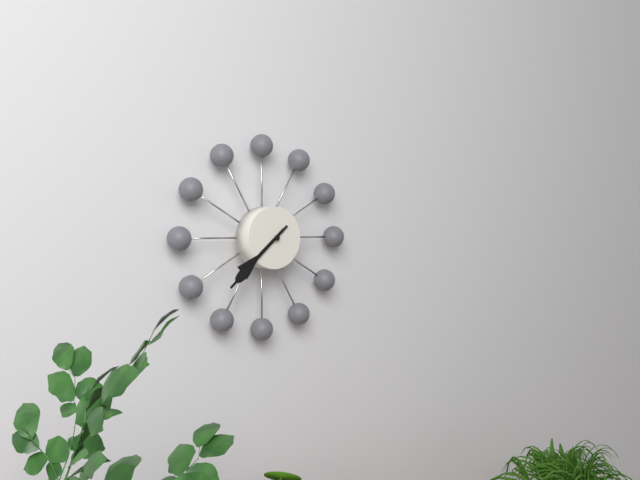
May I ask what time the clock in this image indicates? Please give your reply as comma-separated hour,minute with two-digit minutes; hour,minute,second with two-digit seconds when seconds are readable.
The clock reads 7,38
